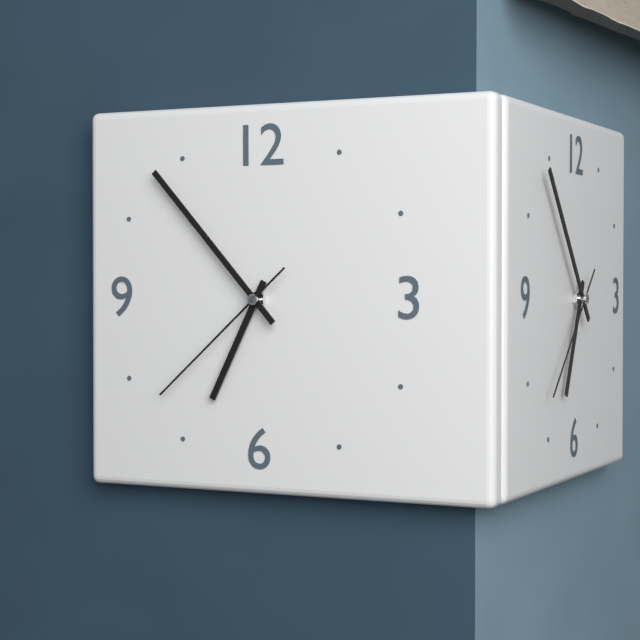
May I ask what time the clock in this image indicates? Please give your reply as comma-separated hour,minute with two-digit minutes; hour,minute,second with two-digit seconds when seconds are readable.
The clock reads 6,53,38
